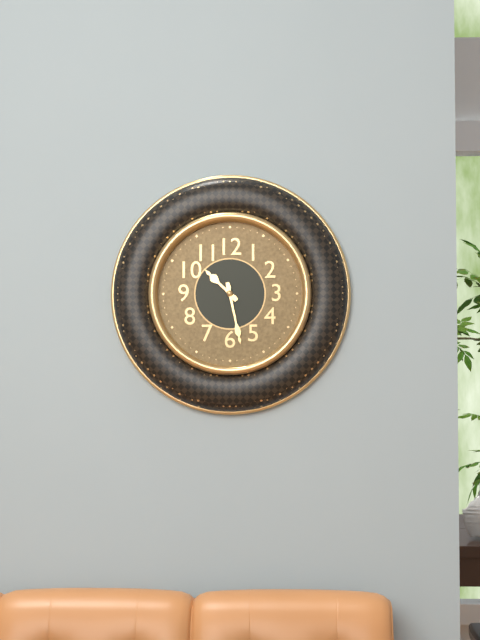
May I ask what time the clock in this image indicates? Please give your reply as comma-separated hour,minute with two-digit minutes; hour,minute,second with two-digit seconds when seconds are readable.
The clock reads 10,28
